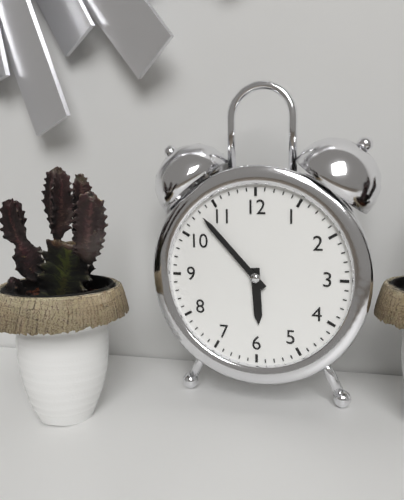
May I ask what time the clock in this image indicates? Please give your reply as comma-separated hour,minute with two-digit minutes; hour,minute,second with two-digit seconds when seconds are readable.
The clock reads 5,53
